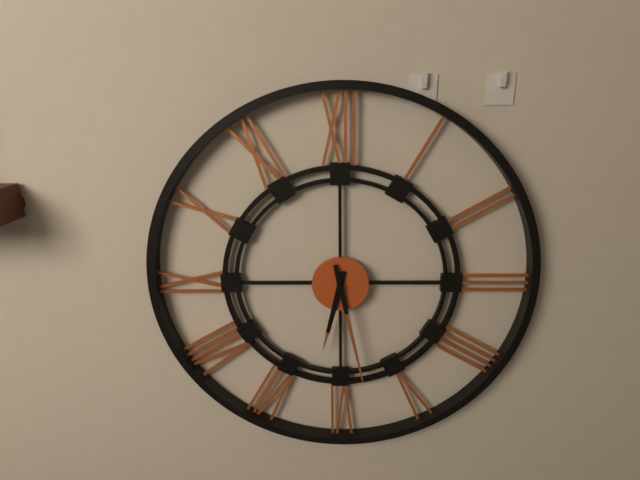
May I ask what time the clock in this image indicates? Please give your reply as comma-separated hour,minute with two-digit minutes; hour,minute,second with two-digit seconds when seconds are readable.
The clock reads 6,28
